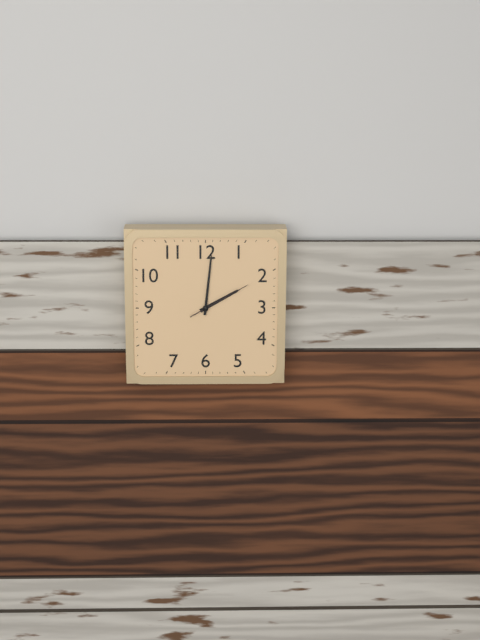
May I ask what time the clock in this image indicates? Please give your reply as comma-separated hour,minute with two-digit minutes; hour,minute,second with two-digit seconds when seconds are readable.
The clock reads 2,01,10
